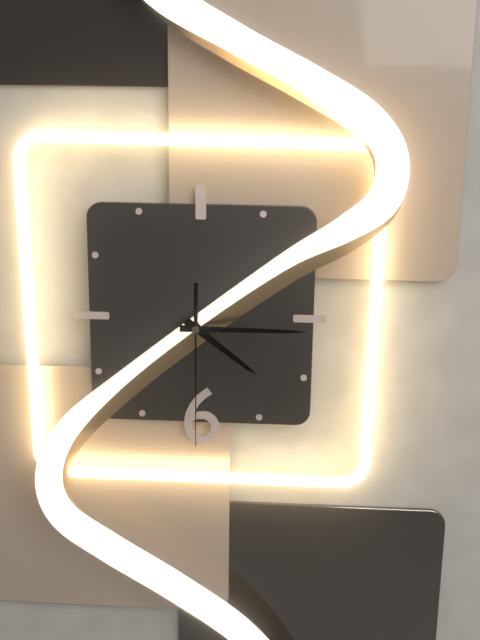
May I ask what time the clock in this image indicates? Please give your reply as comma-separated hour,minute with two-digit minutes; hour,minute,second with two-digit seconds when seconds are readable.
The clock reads 4,15,30
